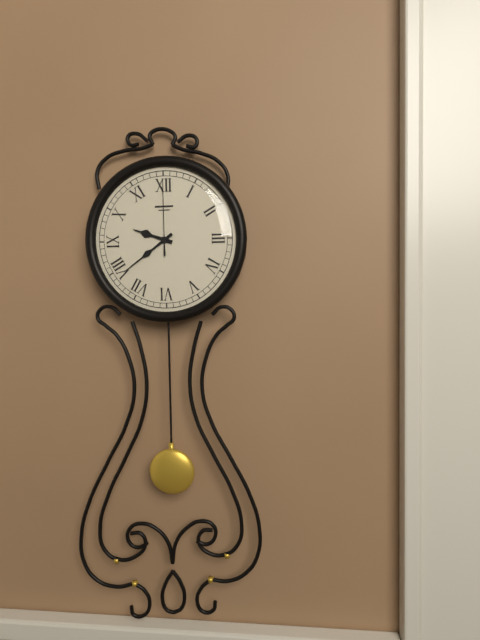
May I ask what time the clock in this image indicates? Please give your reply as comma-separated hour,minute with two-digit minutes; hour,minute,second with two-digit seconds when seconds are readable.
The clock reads 9,39,00
